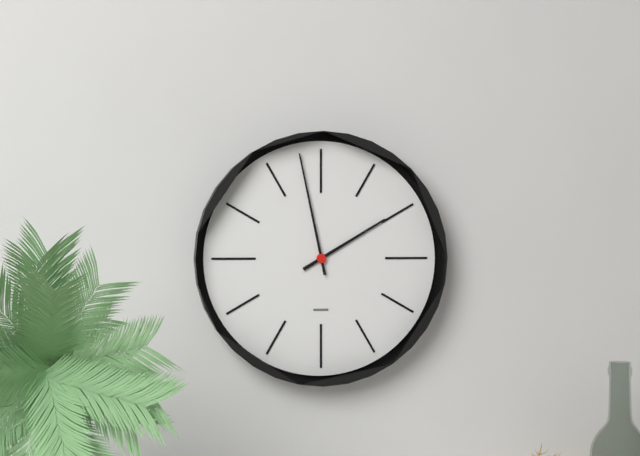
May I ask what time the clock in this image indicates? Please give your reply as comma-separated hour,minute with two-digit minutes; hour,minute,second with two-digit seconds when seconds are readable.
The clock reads 1,58
